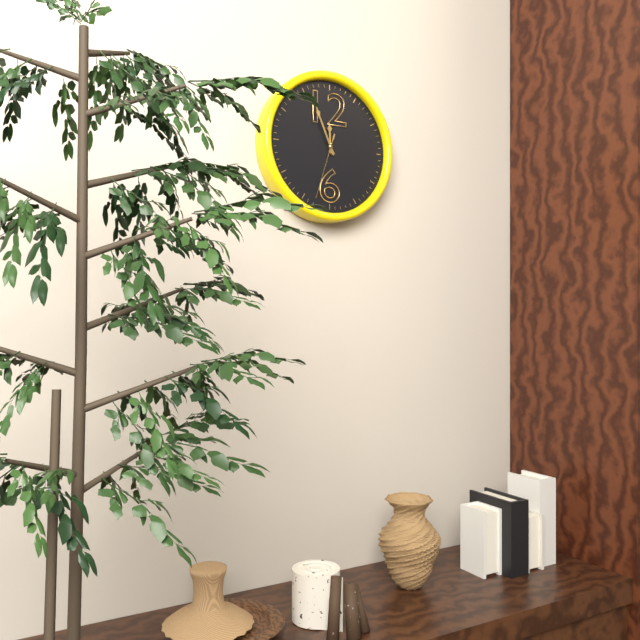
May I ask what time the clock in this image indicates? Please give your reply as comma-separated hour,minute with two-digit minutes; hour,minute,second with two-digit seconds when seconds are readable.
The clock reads 11,56,33
